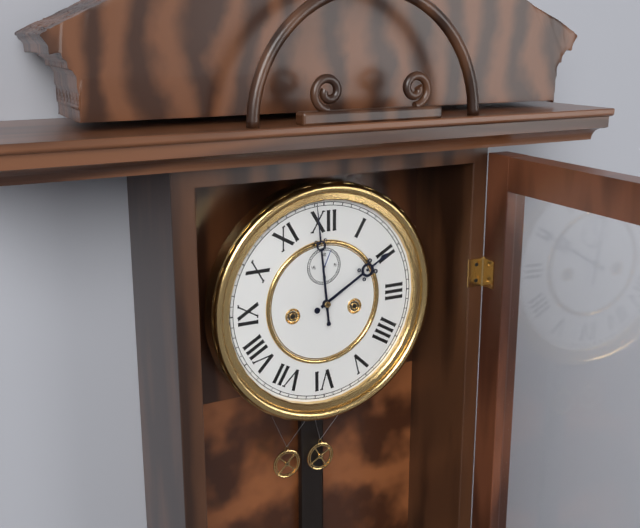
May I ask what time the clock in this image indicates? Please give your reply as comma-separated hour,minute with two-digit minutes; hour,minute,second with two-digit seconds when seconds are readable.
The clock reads 1,59
